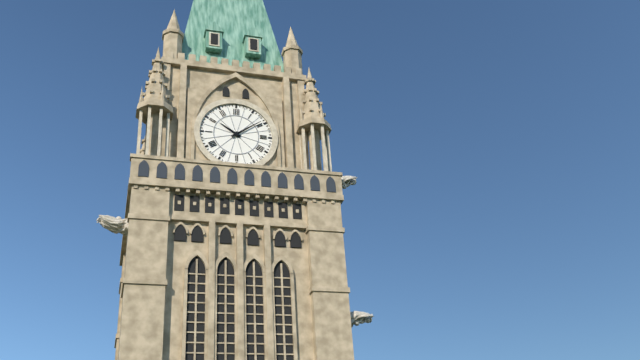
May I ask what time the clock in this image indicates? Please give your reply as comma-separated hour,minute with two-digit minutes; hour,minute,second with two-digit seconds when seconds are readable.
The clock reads 10,09
